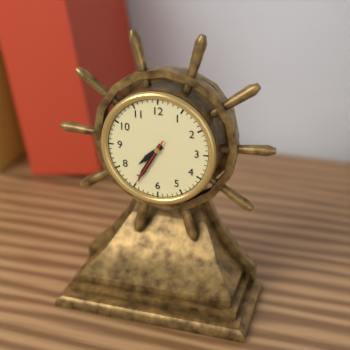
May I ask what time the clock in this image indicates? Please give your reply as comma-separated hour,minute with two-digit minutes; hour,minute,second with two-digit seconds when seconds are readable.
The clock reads 7,35,35
